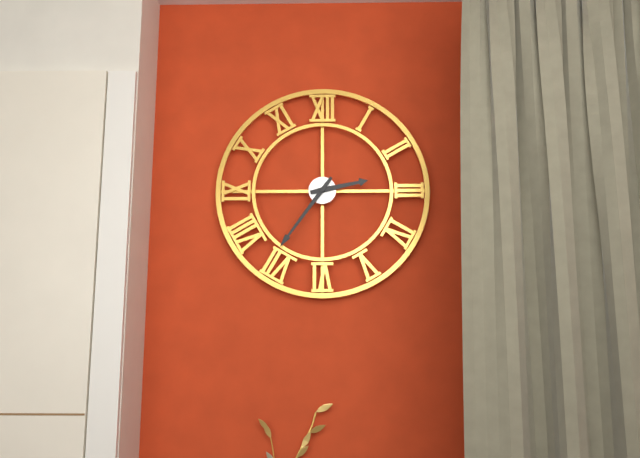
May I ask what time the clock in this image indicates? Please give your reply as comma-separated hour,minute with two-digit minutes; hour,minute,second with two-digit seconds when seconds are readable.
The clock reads 2,36
